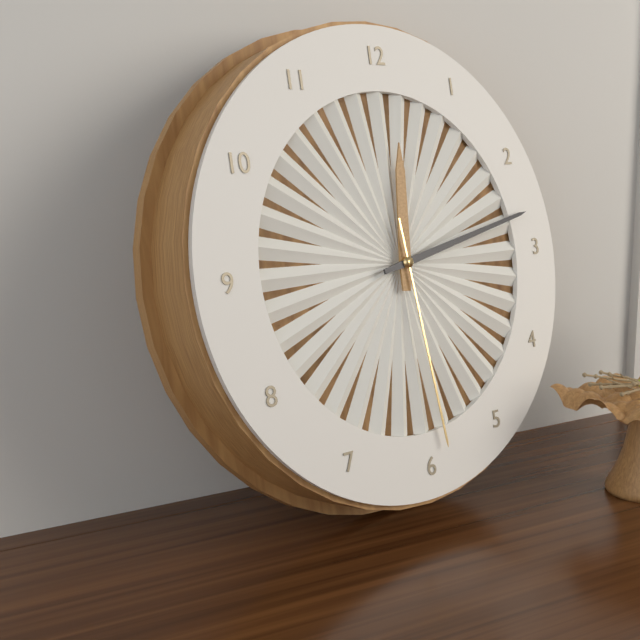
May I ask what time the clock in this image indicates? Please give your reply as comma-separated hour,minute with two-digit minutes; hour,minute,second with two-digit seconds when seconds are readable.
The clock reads 12,13,29
